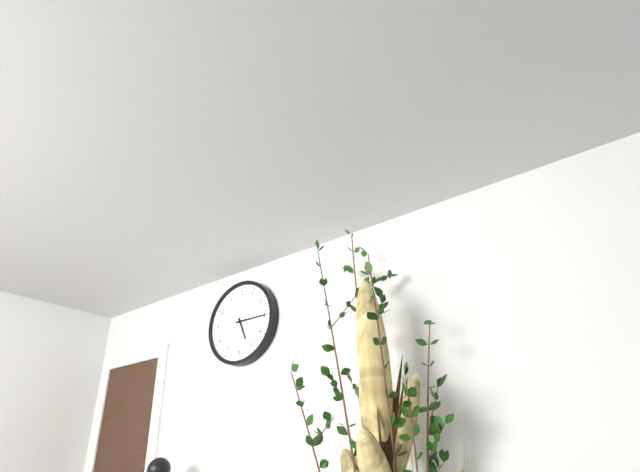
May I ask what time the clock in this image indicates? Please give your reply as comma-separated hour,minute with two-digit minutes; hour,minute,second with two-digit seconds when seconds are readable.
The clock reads 5,15
